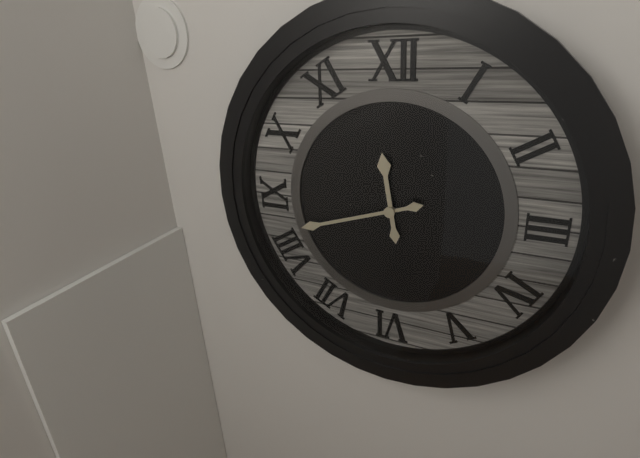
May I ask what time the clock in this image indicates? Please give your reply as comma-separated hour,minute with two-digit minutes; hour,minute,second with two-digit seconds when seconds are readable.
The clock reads 11,42
